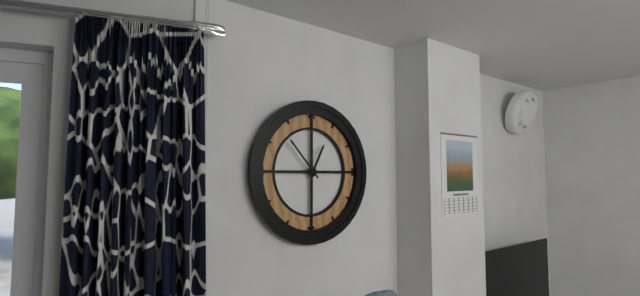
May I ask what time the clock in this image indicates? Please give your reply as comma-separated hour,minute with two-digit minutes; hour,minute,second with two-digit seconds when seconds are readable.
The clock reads 12,53
